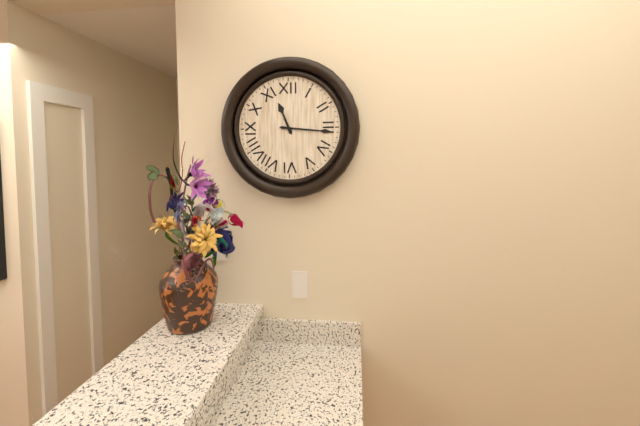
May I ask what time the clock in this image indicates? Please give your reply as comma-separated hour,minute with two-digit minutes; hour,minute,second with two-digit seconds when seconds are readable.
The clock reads 11,16
